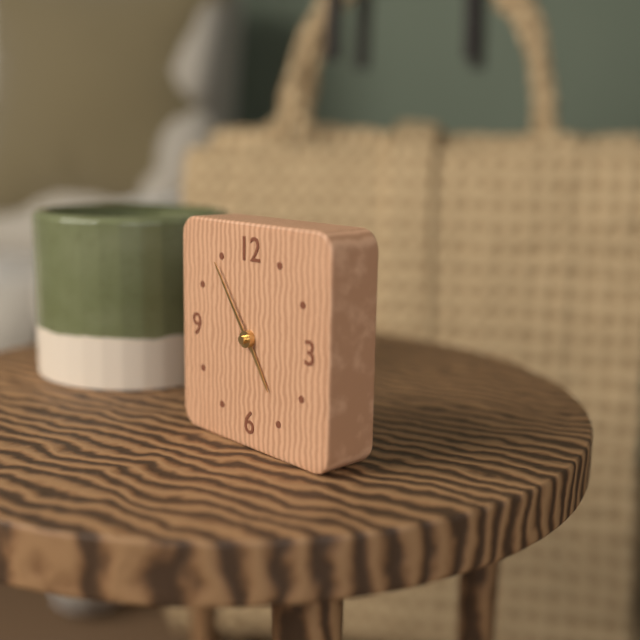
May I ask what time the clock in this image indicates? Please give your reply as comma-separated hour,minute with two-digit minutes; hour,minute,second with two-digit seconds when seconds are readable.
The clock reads 4,54
